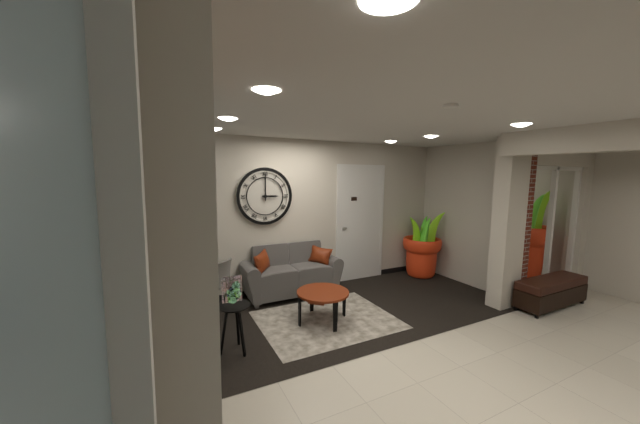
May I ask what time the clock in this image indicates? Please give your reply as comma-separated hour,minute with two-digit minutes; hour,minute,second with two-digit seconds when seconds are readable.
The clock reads 3,00
